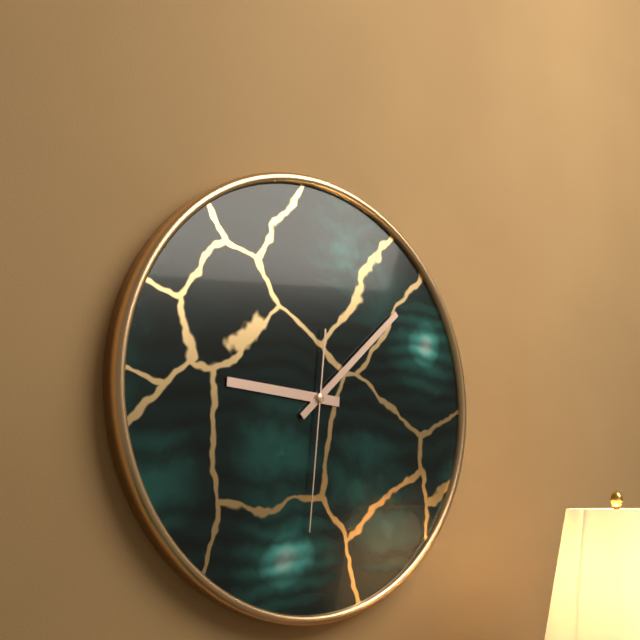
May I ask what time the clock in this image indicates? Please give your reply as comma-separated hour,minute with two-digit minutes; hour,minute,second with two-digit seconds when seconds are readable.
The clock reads 9,08,31
